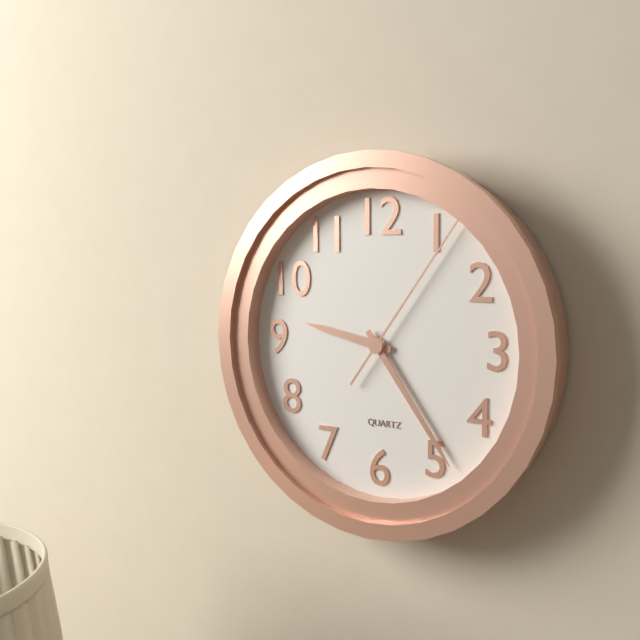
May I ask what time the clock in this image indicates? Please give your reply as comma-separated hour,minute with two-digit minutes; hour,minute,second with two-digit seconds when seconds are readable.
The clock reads 9,24,06
